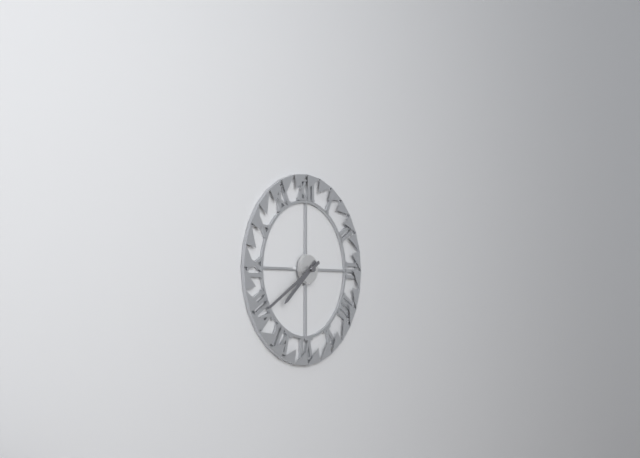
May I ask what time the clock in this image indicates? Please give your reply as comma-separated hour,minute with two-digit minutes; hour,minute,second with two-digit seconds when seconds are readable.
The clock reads 7,40
